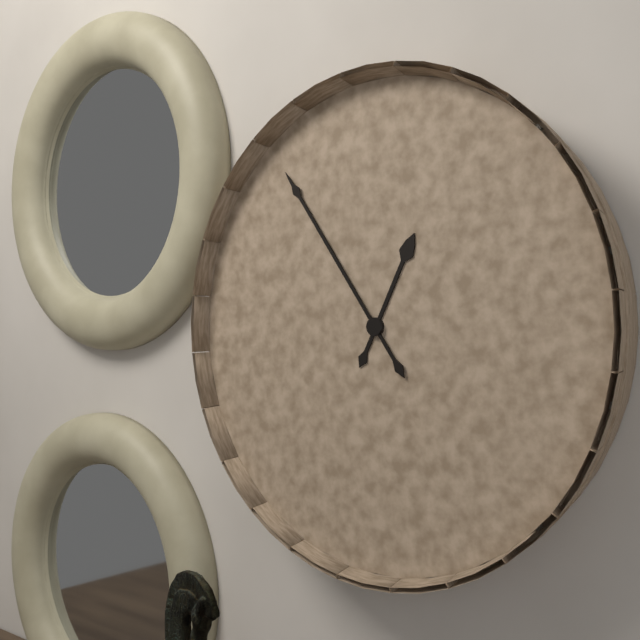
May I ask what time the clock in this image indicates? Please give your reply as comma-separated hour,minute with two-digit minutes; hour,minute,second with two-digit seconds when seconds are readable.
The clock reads 12,54
